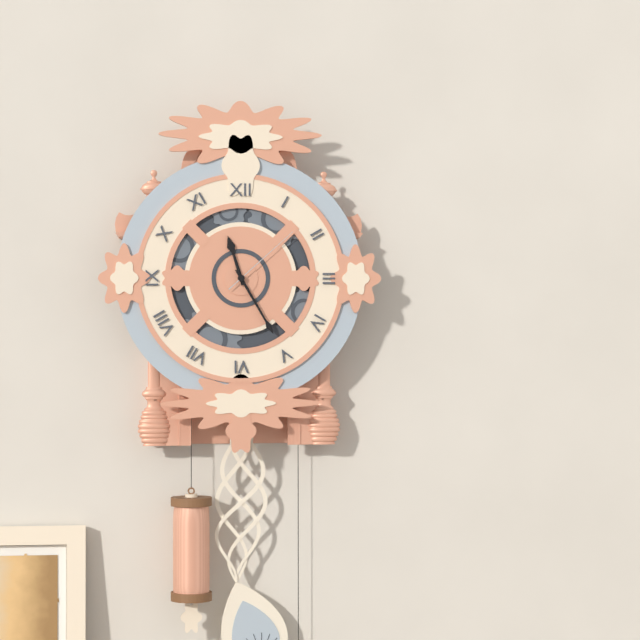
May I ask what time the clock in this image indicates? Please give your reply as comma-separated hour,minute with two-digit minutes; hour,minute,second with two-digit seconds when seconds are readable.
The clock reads 11,25,08
